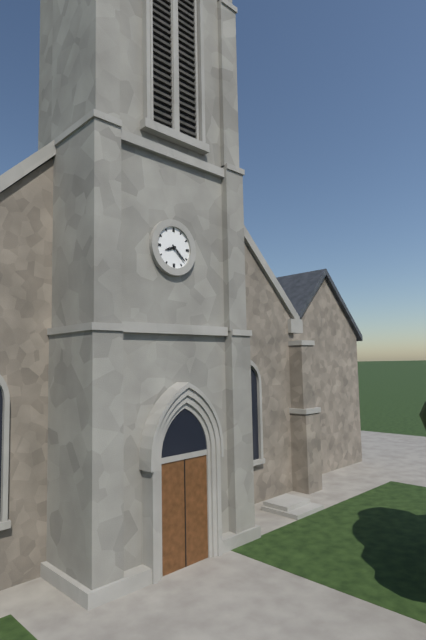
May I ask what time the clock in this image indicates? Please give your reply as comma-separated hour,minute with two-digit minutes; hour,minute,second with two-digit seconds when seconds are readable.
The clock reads 8,22
